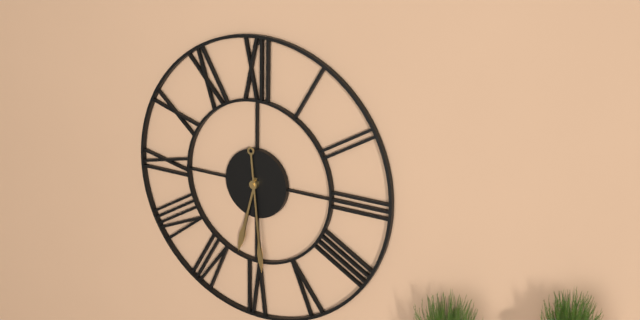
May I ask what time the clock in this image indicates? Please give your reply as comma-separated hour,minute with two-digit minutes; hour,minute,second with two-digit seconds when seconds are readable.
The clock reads 6,29
